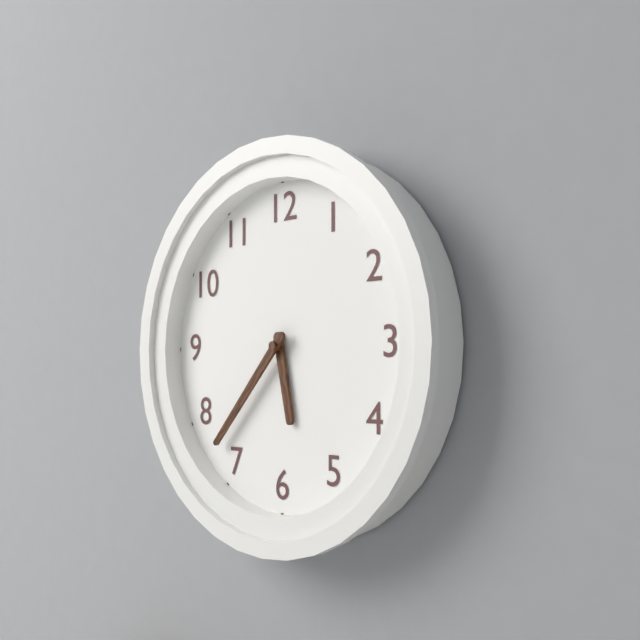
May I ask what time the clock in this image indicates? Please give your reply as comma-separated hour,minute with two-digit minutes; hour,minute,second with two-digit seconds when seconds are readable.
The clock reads 5,37
